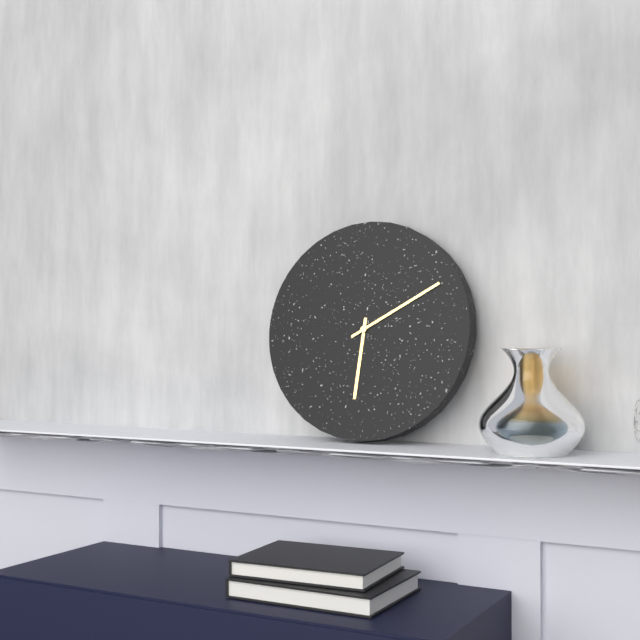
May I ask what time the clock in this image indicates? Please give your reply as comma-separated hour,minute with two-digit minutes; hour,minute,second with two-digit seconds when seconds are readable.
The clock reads 6,10
